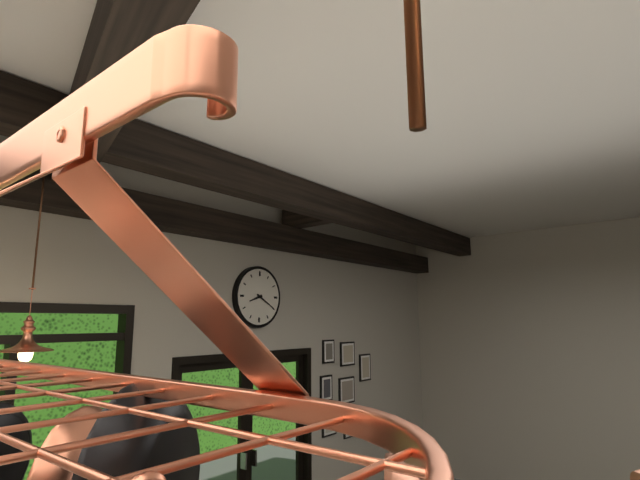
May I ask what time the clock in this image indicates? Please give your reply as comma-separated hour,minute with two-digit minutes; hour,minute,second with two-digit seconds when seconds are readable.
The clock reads 8,20
